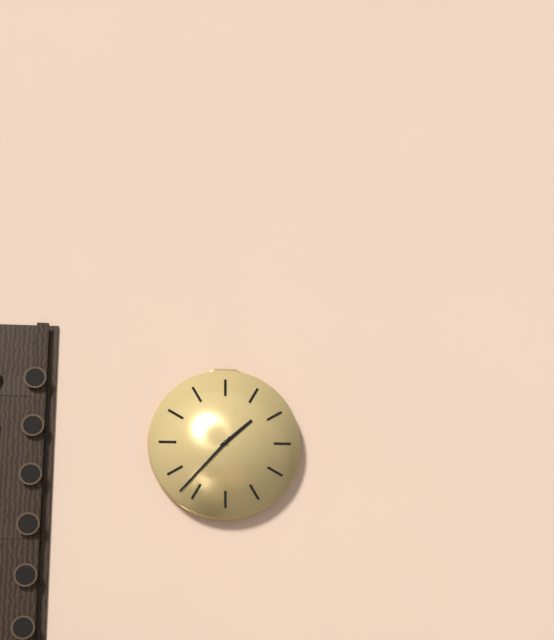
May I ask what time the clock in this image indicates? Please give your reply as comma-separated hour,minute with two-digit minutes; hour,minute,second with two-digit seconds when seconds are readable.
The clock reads 1,37
